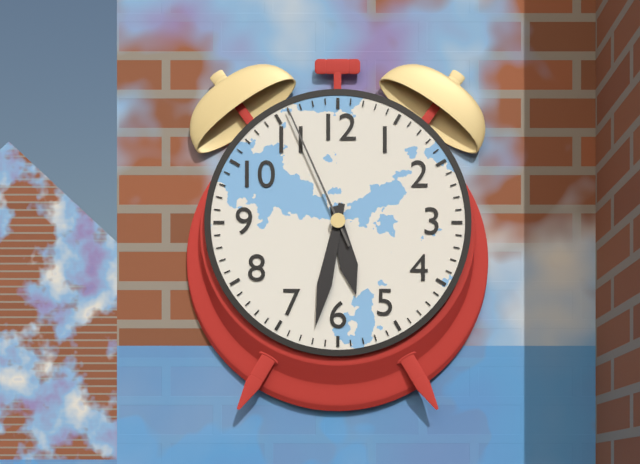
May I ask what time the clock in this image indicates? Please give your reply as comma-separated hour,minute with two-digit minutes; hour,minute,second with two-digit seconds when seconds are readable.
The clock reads 5,32,56
